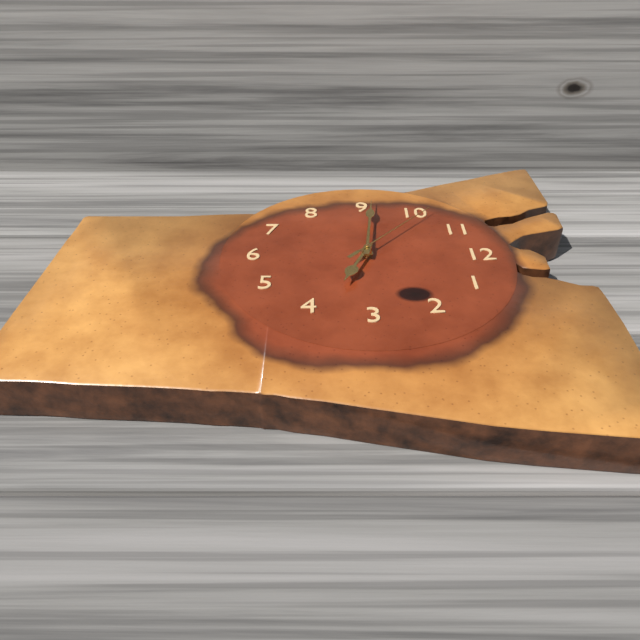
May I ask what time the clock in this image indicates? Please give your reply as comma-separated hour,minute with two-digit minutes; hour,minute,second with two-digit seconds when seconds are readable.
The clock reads 3,46,52
